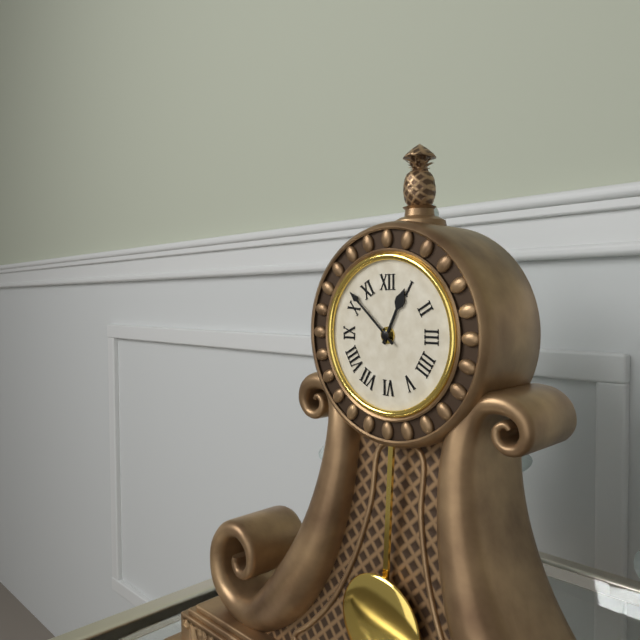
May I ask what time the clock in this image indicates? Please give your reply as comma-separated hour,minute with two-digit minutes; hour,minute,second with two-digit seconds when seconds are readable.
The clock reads 12,52
